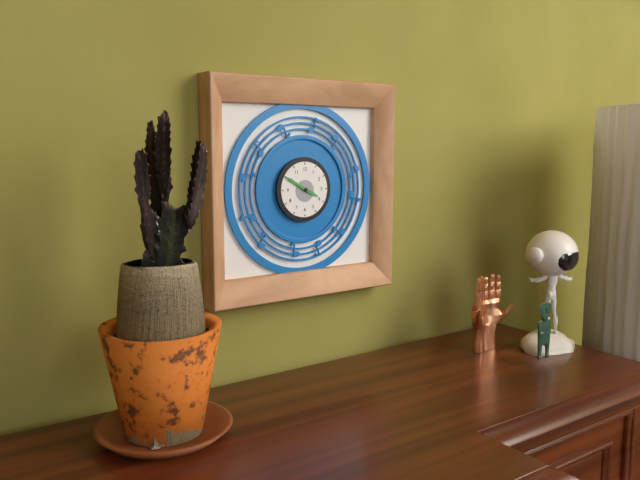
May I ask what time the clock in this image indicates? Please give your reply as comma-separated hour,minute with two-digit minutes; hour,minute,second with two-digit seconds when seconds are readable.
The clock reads 3,50
